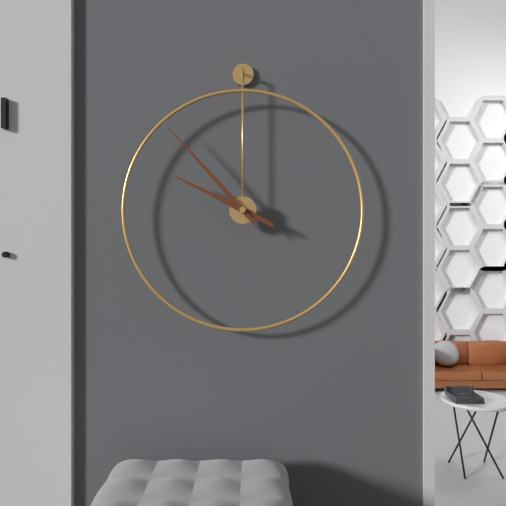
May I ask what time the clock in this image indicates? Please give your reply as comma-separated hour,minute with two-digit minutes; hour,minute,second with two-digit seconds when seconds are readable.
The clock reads 9,53
